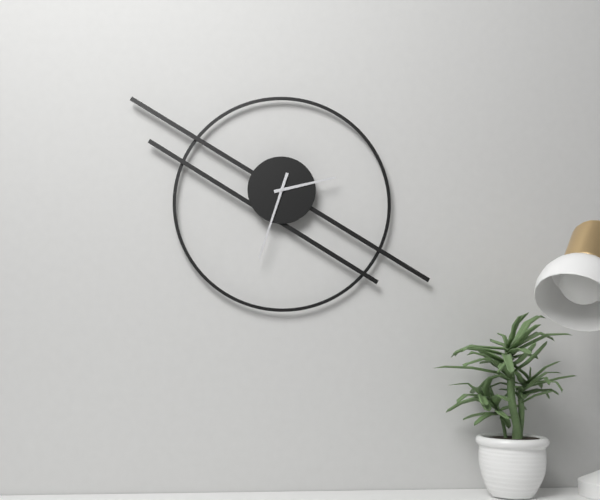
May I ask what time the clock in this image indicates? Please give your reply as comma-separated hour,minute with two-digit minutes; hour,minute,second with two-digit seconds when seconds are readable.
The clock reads 2,33
